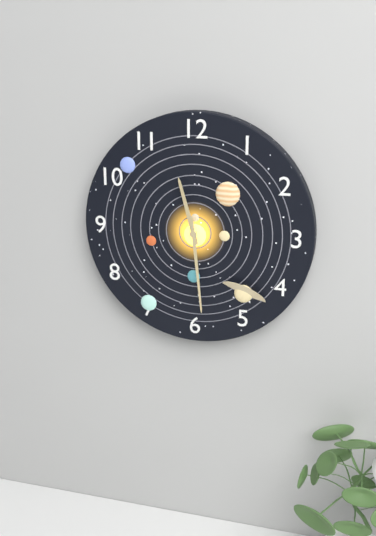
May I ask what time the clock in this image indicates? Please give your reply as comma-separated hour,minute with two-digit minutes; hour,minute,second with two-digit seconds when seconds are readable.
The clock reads 11,29
